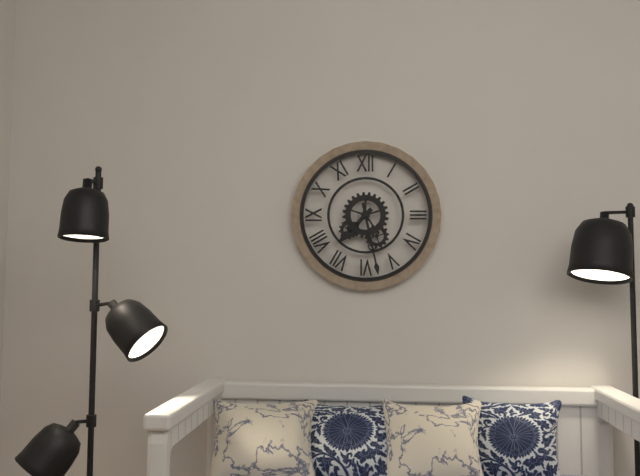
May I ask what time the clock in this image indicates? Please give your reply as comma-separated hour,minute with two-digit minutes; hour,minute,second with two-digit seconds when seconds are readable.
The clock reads 7,28
